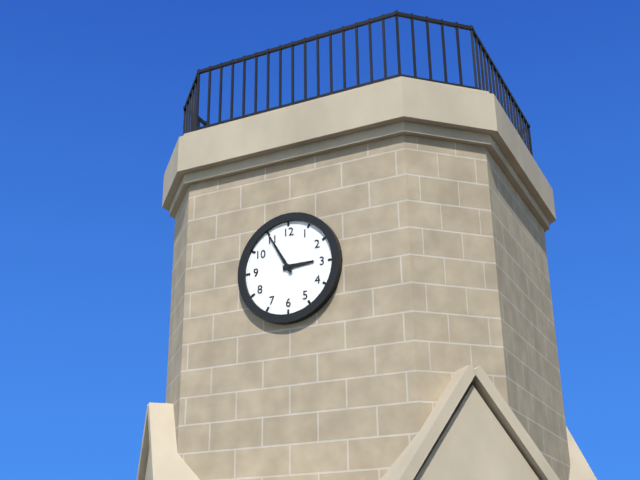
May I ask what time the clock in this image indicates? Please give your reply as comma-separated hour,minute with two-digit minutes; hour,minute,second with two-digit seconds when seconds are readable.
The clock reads 2,55
